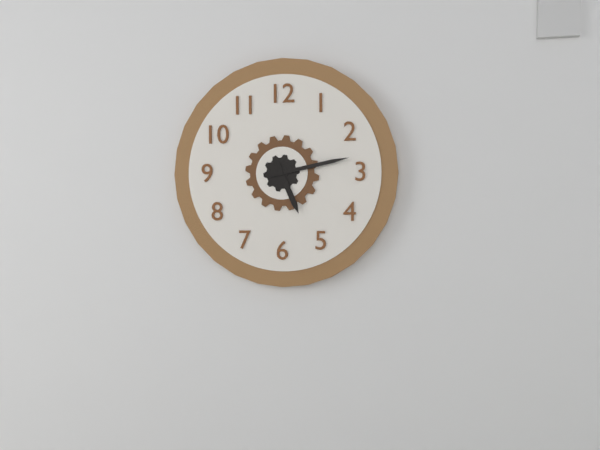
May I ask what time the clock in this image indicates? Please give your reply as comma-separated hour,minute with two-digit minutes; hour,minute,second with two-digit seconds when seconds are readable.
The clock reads 5,13
